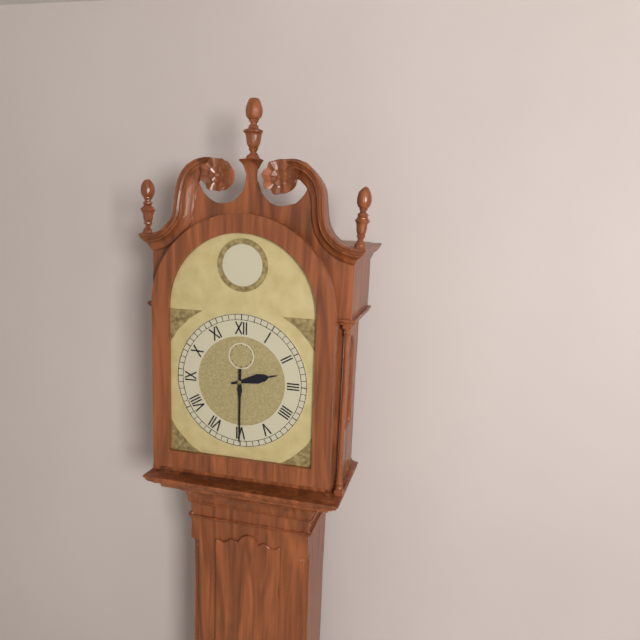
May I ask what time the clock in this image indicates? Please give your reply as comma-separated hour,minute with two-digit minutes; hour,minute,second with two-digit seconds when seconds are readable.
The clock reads 2,30
